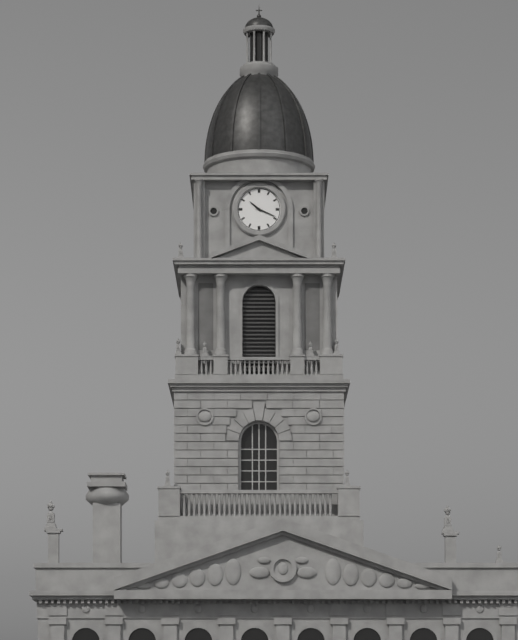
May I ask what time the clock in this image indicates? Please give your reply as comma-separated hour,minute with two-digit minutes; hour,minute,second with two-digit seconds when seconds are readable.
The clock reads 10,19
